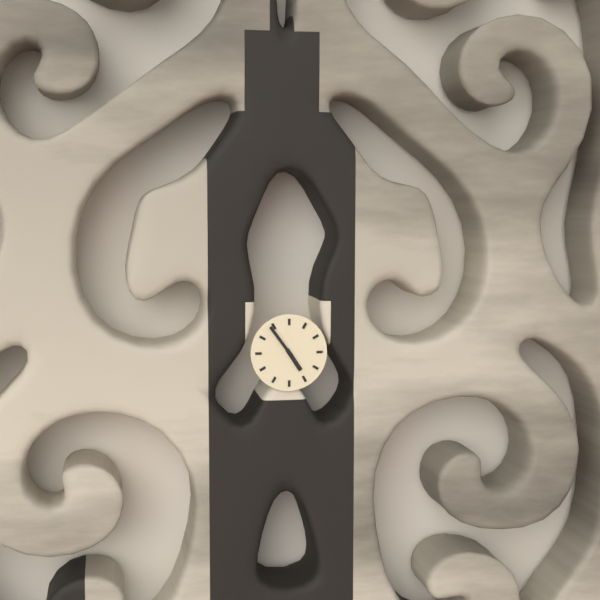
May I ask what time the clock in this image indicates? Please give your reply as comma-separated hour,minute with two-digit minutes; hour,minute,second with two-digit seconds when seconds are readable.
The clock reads 4,54
